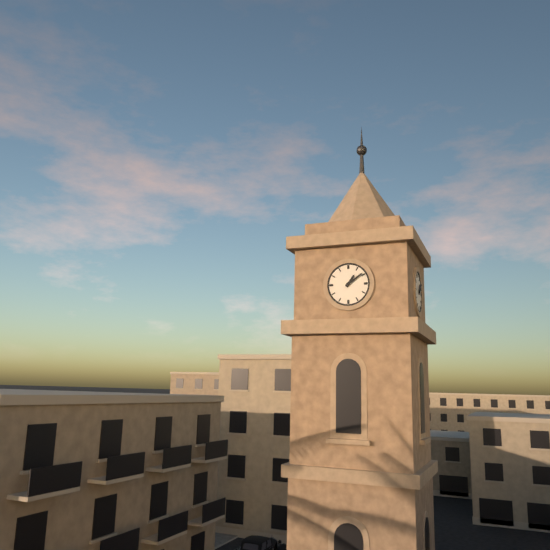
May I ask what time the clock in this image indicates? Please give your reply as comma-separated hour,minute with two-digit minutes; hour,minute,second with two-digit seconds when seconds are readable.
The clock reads 1,09
